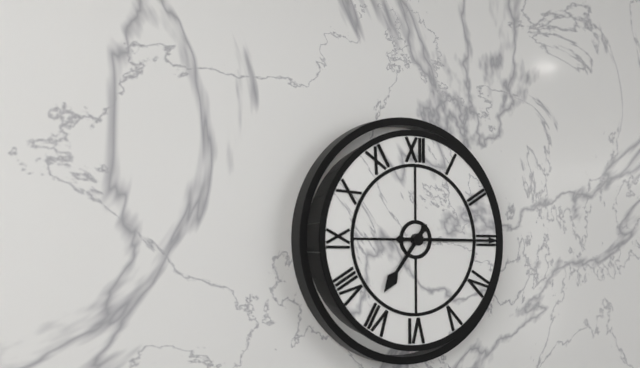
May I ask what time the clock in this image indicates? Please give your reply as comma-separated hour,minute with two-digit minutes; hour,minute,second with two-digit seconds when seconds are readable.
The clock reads 7,15
